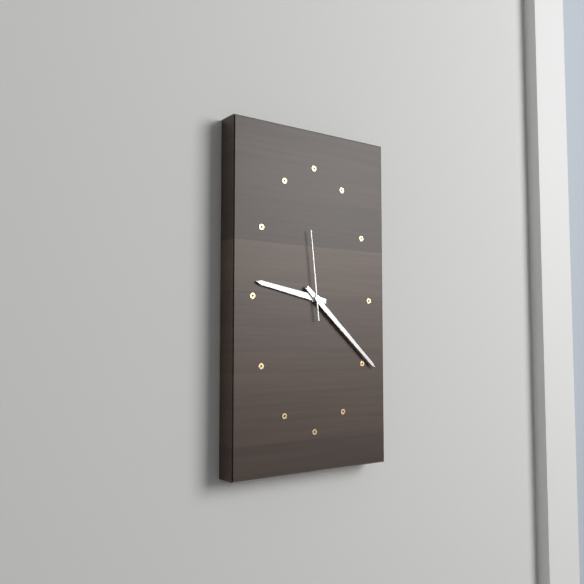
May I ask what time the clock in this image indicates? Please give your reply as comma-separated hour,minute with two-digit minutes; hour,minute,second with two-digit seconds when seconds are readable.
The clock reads 9,22,59
